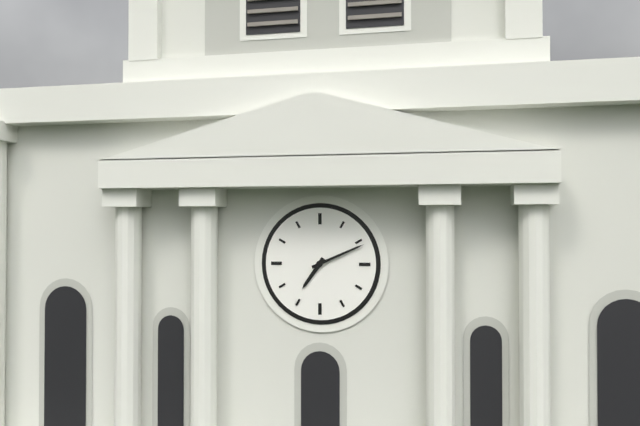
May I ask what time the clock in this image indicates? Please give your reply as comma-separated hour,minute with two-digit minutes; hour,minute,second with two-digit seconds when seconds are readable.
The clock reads 7,11
